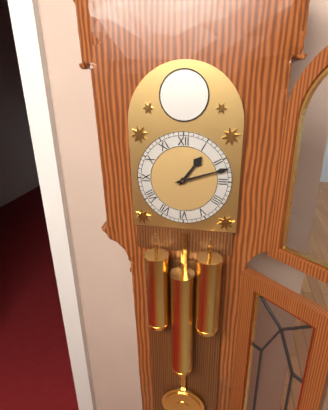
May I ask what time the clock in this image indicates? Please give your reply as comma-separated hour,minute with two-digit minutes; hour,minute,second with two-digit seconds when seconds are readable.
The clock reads 1,12
